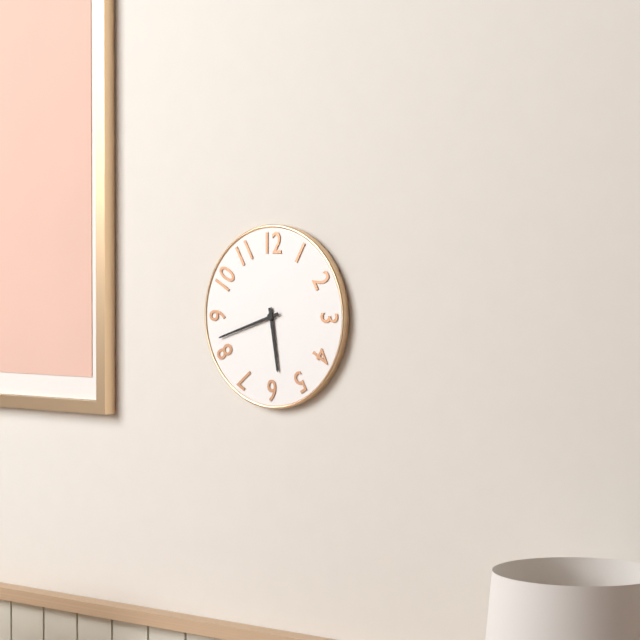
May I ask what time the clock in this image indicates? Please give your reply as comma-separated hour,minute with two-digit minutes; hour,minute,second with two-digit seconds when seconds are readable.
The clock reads 5,42
